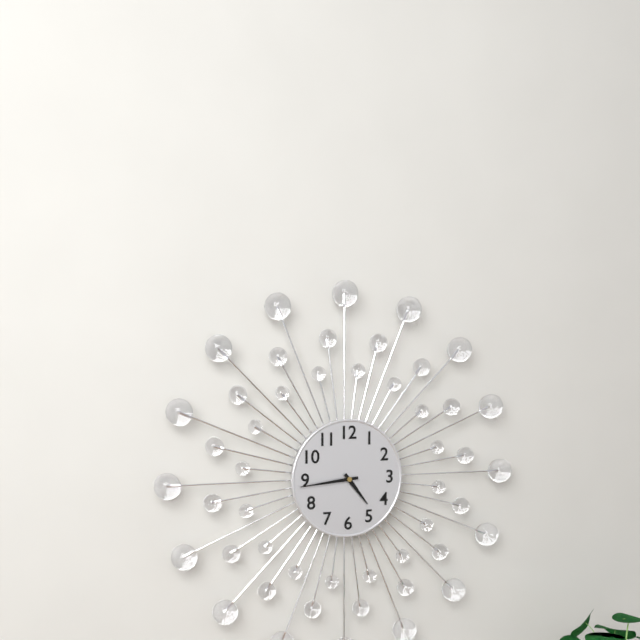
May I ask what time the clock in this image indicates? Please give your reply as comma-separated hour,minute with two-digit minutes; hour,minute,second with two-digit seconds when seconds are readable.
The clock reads 4,44
